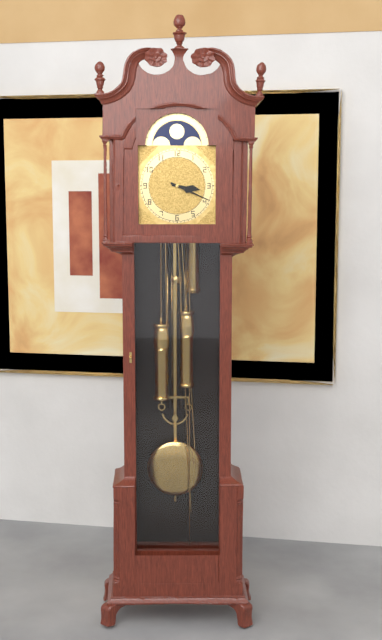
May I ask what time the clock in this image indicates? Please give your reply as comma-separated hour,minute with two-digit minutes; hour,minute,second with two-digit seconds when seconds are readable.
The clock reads 3,19
